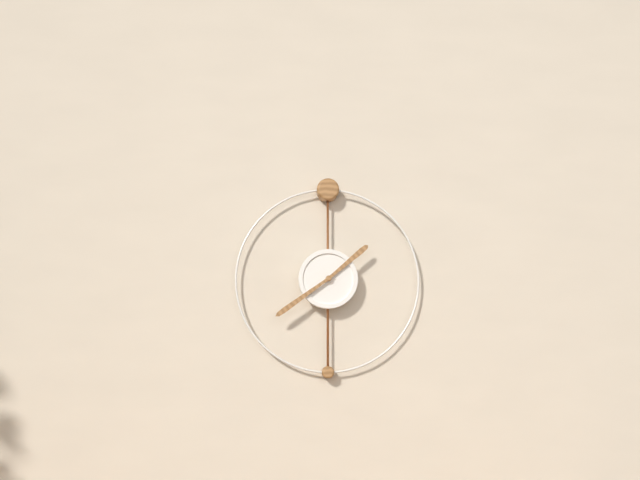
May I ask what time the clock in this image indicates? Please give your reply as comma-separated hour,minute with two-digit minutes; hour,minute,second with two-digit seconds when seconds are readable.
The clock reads 1,39
